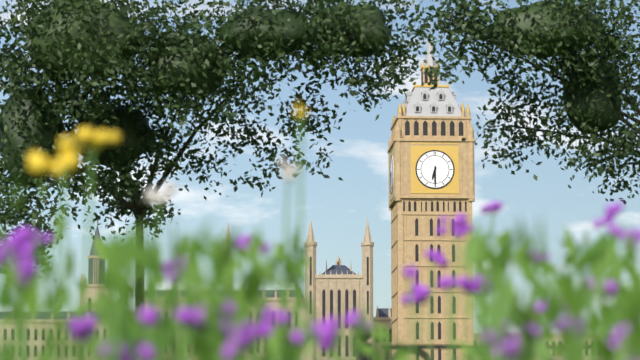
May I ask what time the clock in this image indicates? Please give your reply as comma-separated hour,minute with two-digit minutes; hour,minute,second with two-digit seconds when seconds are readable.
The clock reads 6,30
